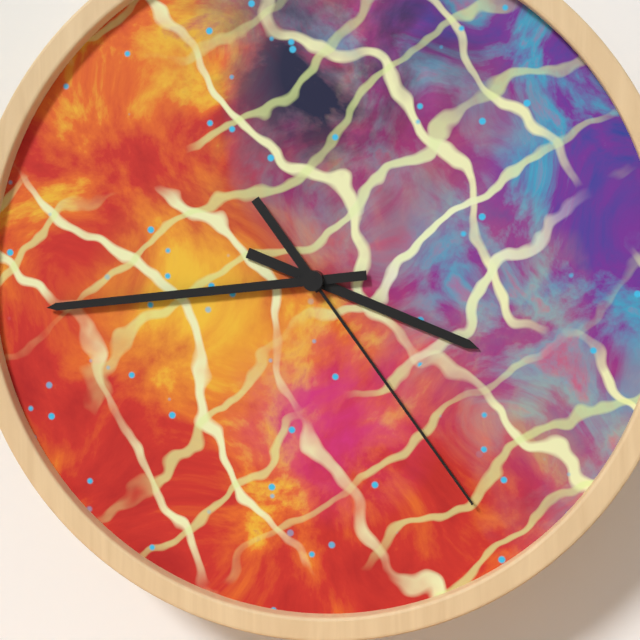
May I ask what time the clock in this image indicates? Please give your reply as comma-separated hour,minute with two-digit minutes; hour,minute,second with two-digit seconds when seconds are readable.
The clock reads 3,44,24
